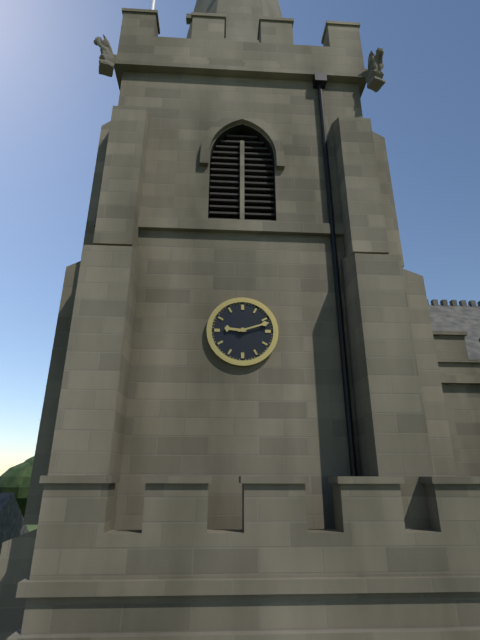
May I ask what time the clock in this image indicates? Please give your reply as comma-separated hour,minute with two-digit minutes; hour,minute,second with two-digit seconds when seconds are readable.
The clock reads 9,12
